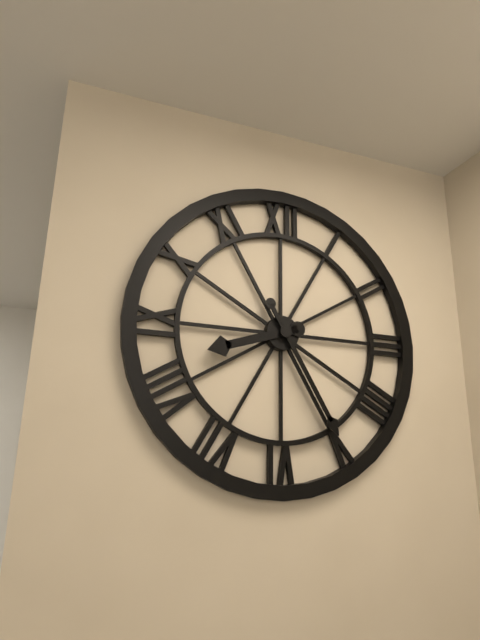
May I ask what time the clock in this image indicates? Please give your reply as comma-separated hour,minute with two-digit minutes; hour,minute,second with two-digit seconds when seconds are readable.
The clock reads 8,25
